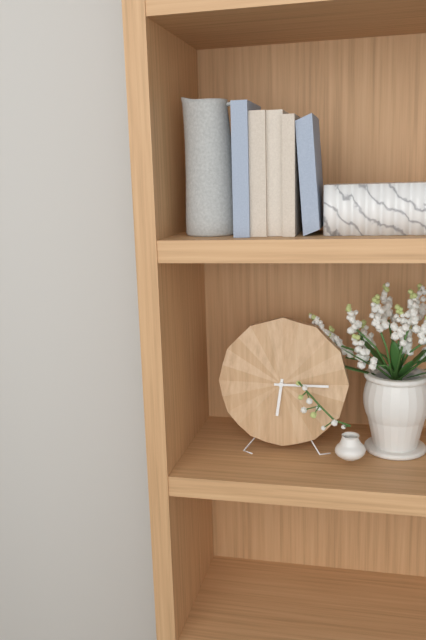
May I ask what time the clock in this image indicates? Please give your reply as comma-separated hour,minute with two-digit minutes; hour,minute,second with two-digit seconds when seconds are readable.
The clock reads 6,15
